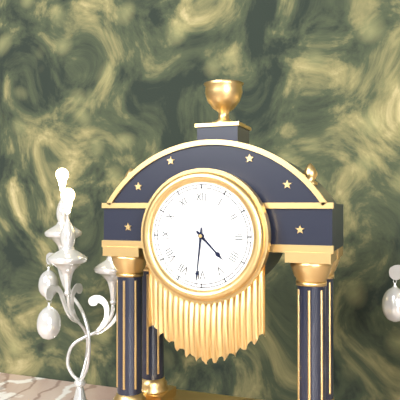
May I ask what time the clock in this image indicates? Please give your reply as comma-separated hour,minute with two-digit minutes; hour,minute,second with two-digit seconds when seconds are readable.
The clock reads 4,31
